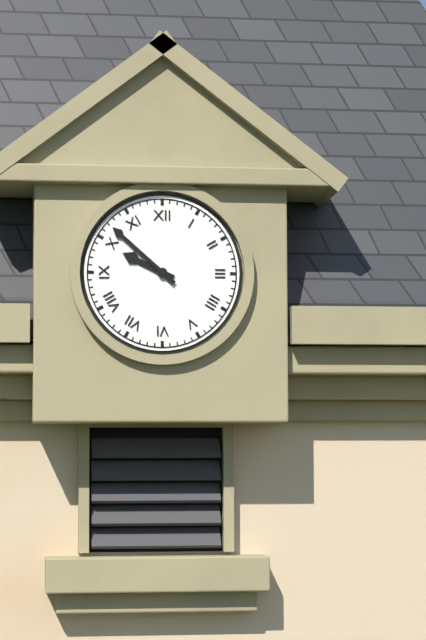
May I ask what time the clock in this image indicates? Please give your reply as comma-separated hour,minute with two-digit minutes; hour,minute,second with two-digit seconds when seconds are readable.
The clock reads 9,52
